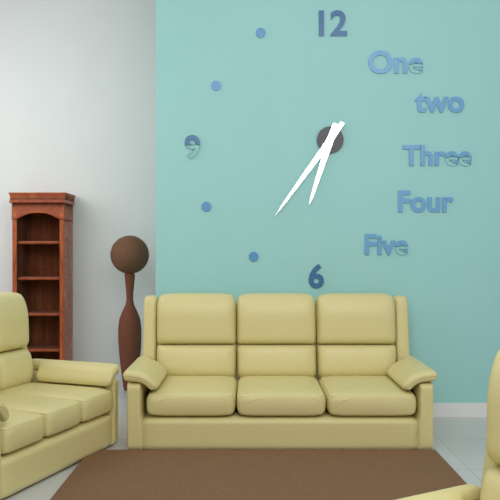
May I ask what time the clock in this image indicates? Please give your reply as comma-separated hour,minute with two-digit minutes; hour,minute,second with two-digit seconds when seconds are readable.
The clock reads 6,36
